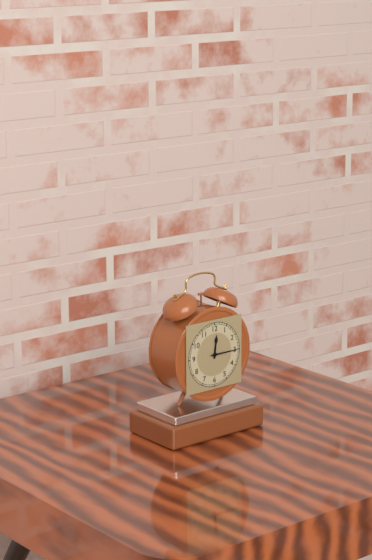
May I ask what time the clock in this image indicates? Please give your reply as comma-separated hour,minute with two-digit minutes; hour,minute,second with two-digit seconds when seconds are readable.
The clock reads 12,15
